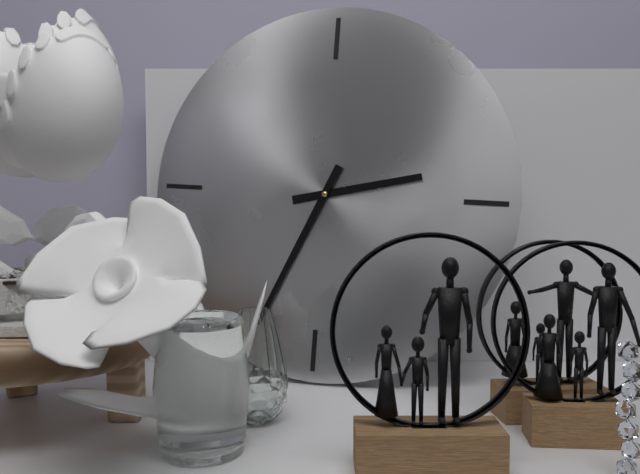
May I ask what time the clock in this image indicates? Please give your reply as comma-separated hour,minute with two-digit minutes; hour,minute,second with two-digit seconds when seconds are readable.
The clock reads 2,34
